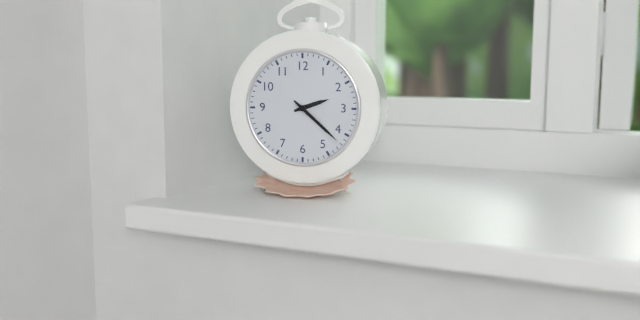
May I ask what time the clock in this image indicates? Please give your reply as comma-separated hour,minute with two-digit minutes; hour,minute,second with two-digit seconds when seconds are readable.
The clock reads 2,22
